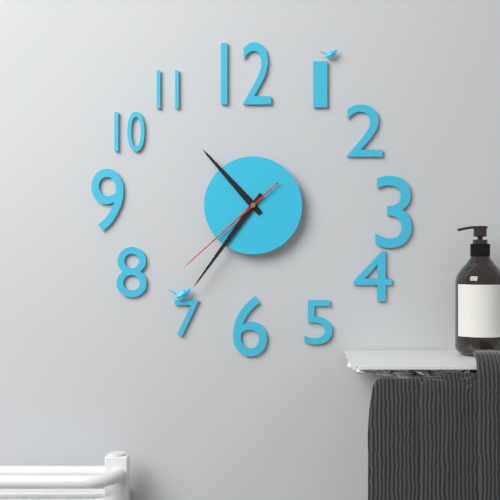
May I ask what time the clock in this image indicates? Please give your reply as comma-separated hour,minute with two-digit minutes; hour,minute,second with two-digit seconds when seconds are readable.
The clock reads 10,36,38
